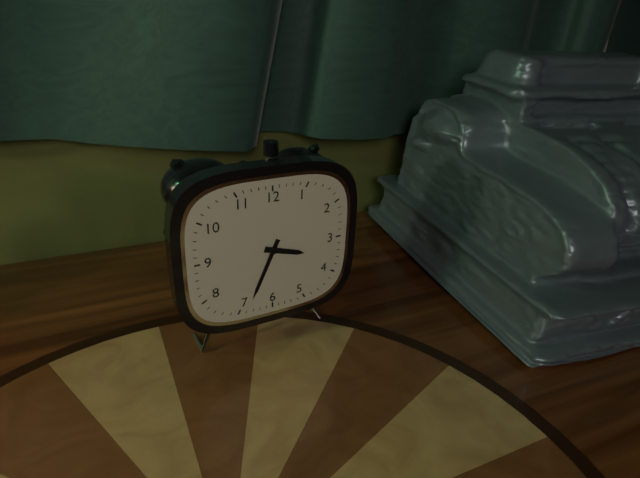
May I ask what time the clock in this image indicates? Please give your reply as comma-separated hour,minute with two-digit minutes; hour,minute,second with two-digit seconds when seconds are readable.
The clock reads 3,34
